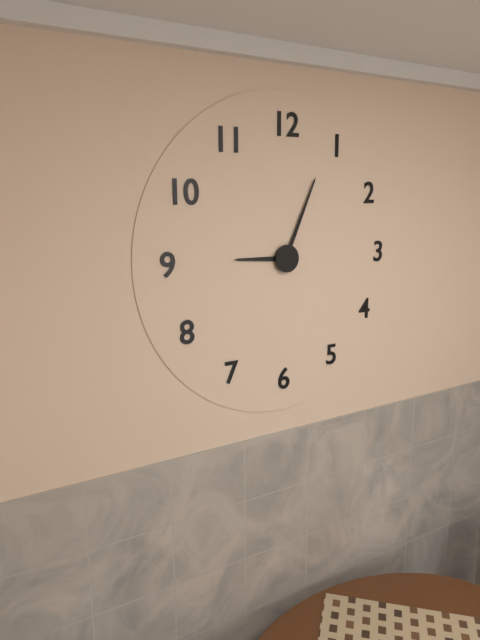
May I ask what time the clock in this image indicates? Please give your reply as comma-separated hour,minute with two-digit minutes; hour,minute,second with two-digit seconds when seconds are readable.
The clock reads 9,04
